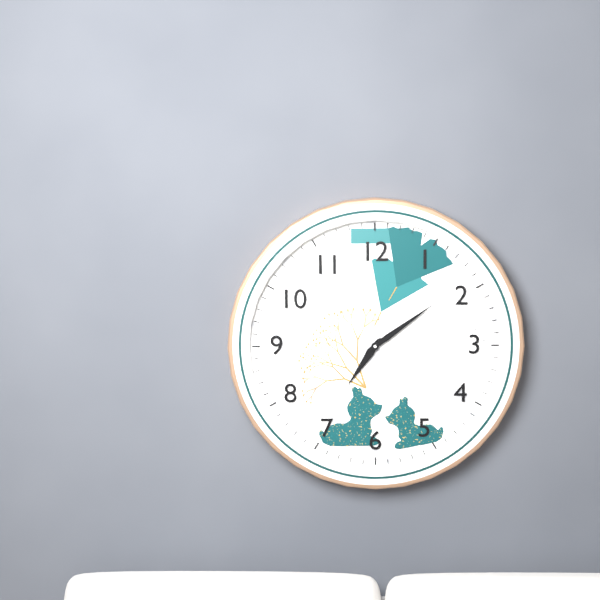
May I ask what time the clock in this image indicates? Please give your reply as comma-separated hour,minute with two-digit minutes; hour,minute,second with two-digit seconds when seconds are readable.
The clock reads 7,09
